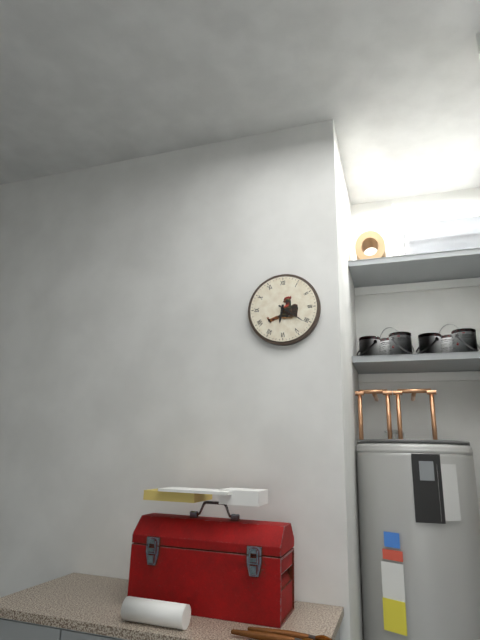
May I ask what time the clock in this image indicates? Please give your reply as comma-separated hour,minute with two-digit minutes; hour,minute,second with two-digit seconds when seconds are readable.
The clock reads 6,21
